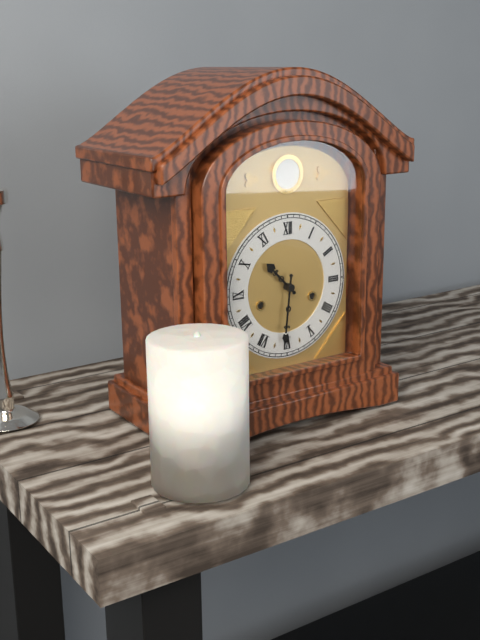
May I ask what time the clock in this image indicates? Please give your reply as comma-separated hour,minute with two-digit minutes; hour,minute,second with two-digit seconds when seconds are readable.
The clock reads 10,31
